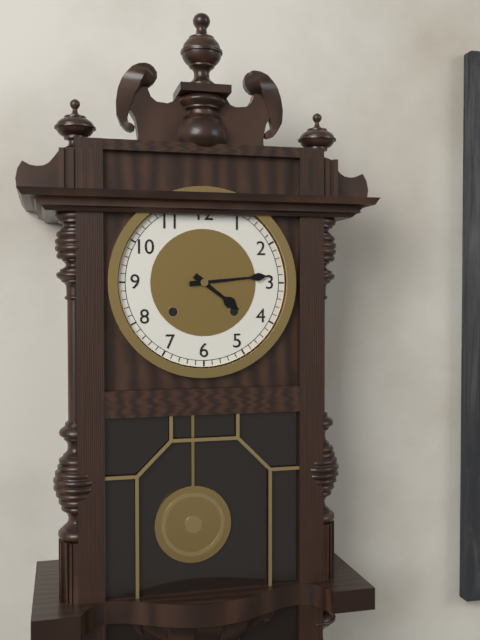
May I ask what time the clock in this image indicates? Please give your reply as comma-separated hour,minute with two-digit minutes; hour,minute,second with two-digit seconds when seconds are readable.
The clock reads 4,14
